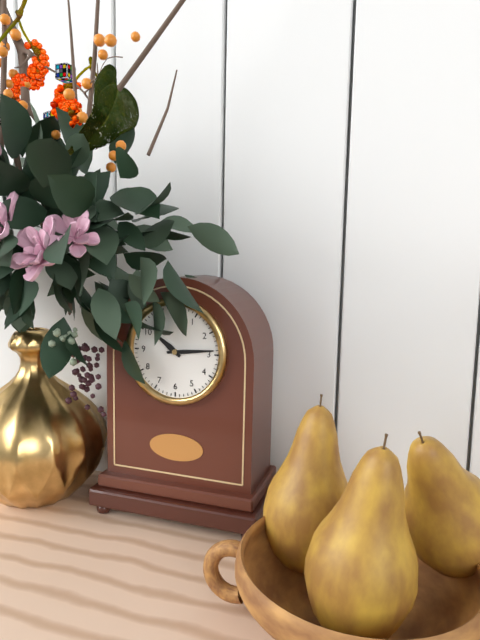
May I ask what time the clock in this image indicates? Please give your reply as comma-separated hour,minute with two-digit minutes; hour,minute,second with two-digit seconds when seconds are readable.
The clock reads 10,14
